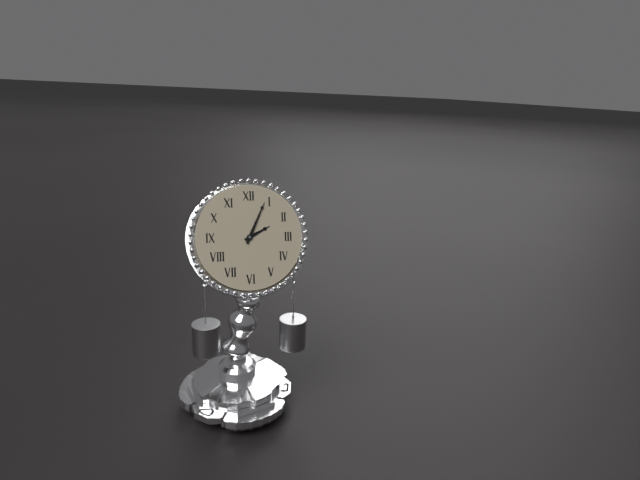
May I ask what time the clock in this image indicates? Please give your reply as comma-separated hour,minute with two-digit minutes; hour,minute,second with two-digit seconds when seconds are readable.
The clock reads 2,04
